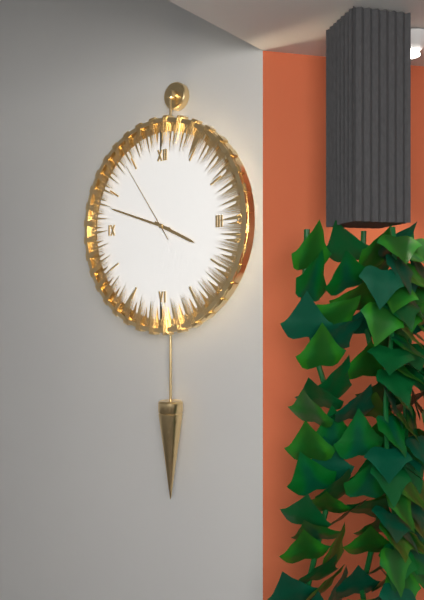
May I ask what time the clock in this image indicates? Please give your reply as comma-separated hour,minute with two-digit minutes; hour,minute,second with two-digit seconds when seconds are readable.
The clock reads 3,48,54
